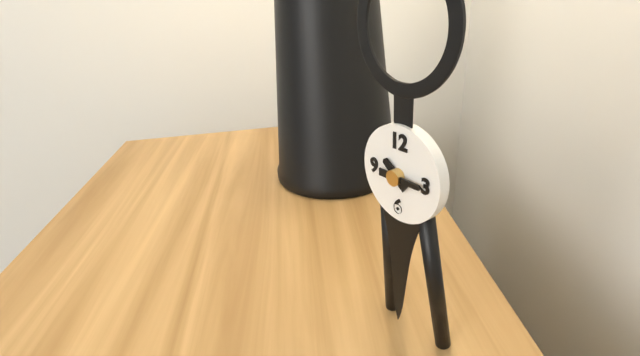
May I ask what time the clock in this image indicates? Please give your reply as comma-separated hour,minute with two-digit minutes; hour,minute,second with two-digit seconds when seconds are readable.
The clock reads 10,15
